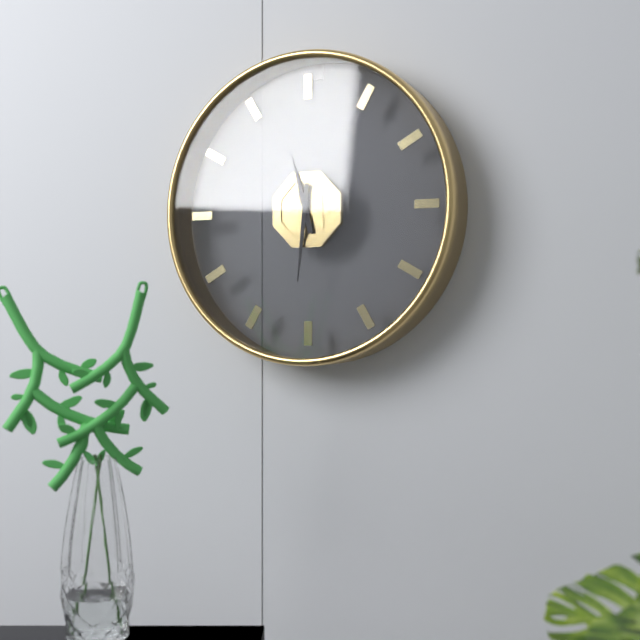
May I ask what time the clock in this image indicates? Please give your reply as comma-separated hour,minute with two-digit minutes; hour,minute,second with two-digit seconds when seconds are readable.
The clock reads 11,31
